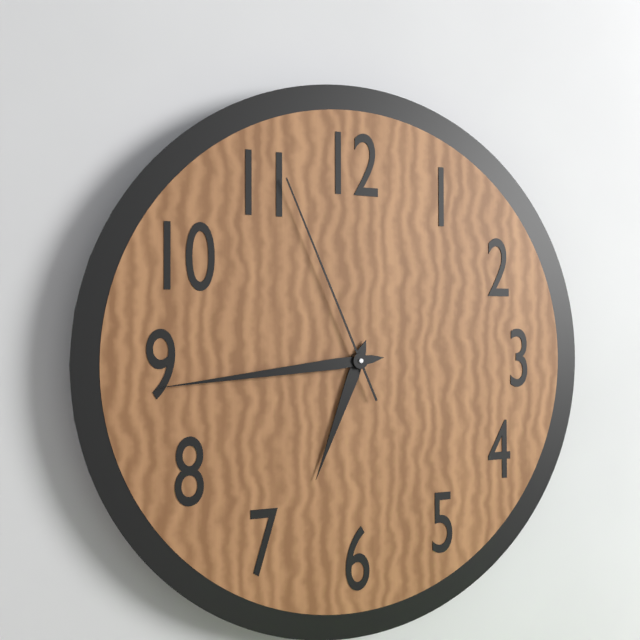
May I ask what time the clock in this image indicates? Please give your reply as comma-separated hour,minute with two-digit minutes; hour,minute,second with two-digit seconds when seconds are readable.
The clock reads 6,44,56
